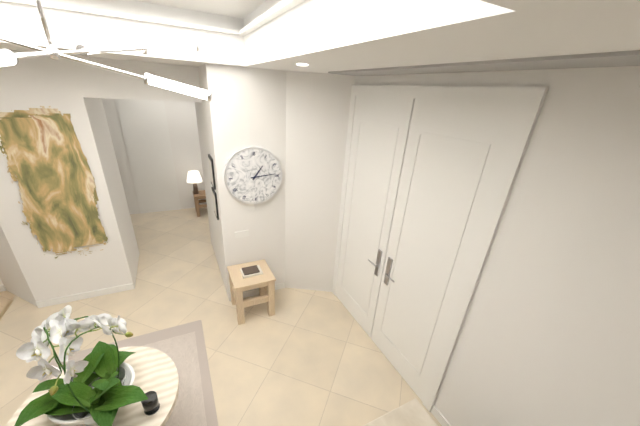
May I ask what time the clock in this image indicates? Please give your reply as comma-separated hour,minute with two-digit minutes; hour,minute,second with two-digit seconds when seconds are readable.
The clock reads 1,14
